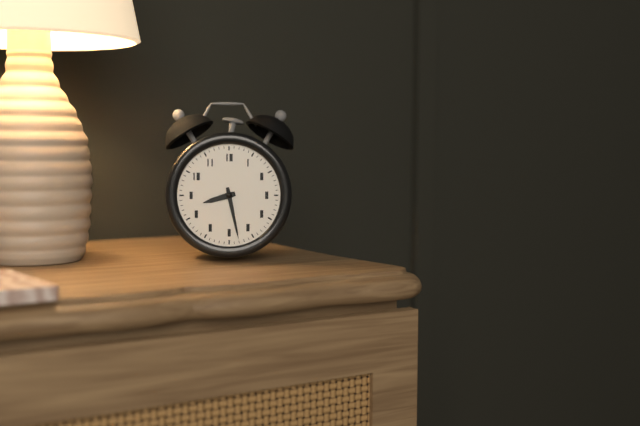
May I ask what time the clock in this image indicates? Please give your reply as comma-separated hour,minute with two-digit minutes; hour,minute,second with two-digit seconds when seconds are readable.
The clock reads 8,28
